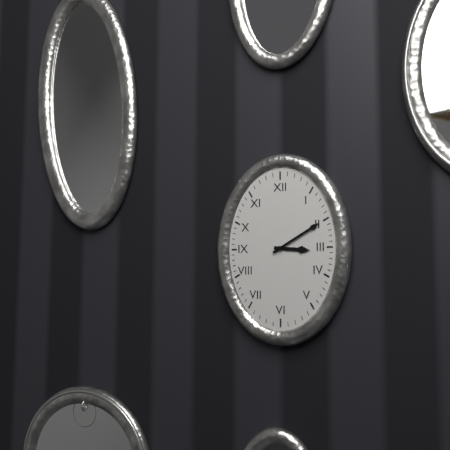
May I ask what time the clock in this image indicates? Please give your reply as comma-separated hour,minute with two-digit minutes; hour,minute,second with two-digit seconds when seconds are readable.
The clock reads 3,10
